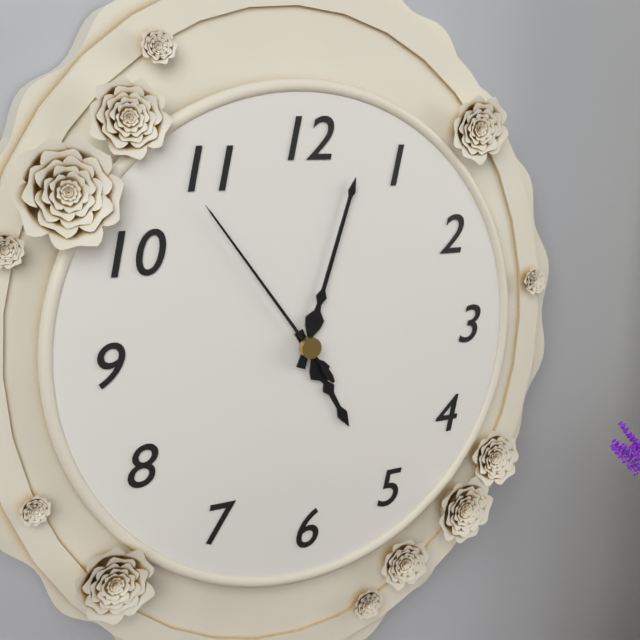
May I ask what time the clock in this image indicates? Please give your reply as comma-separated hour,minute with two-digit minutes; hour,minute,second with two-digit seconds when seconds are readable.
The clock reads 5,03,54
